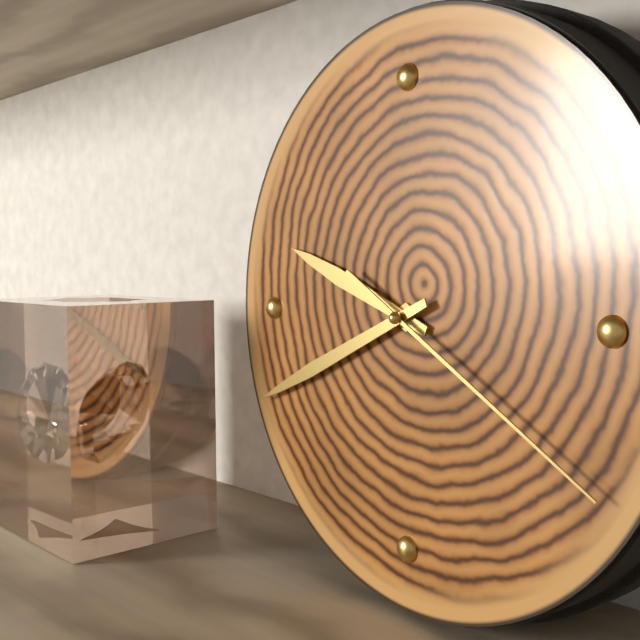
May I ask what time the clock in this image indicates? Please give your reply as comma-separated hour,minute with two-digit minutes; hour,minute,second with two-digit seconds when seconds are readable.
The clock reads 9,41,20
